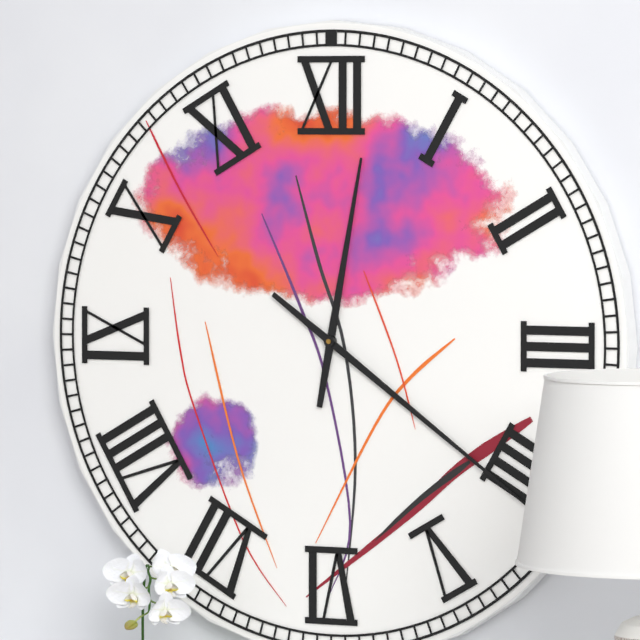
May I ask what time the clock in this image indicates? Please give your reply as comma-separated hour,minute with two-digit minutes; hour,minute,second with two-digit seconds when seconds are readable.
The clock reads 12,21
